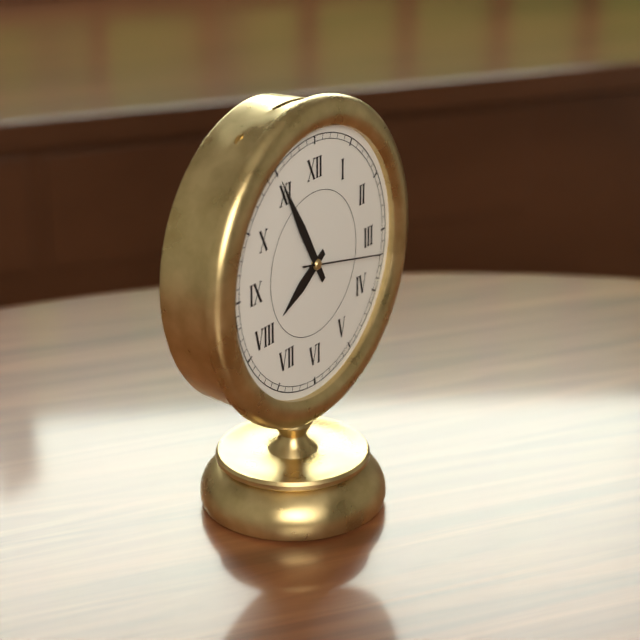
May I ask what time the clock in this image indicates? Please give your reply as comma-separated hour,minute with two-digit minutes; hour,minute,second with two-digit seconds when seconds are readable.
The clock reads 7,55,17
